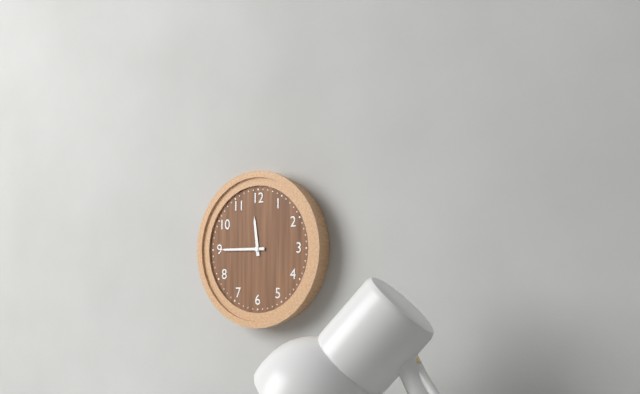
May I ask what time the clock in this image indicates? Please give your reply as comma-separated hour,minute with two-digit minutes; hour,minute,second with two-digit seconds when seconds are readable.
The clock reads 11,45
